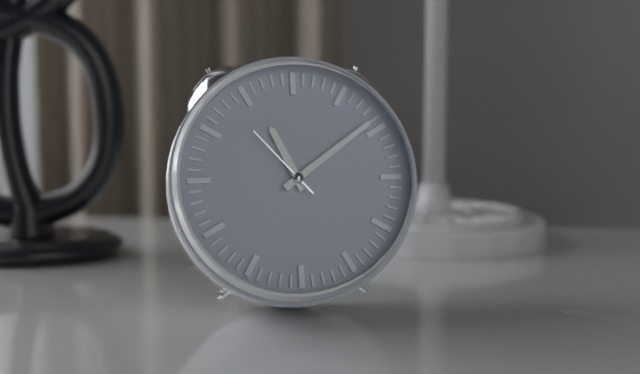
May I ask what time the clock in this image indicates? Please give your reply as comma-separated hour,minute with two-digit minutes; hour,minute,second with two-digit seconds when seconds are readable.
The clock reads 11,09,53
